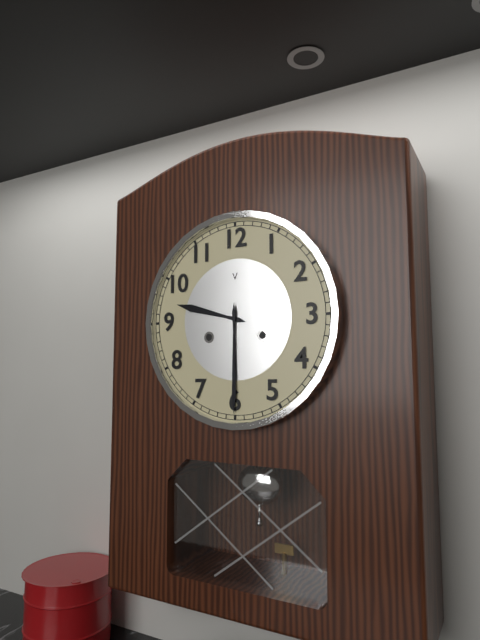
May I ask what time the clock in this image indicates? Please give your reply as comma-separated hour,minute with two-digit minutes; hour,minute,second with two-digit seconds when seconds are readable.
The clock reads 9,30
